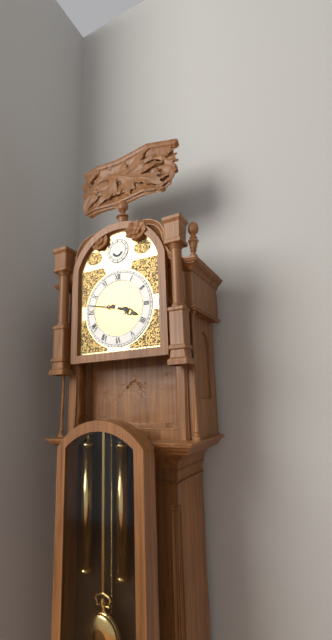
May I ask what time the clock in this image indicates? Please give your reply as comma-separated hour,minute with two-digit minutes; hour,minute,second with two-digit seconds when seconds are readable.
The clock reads 3,47
